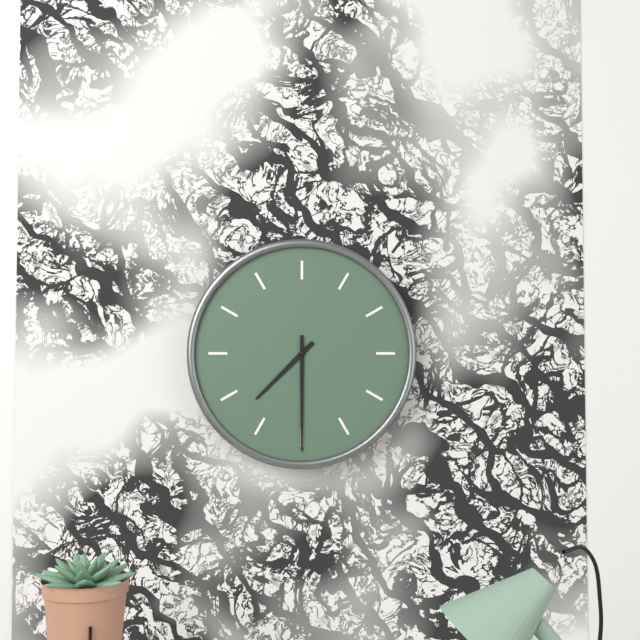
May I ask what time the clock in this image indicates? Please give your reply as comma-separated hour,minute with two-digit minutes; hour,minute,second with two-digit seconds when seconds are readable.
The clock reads 7,30
